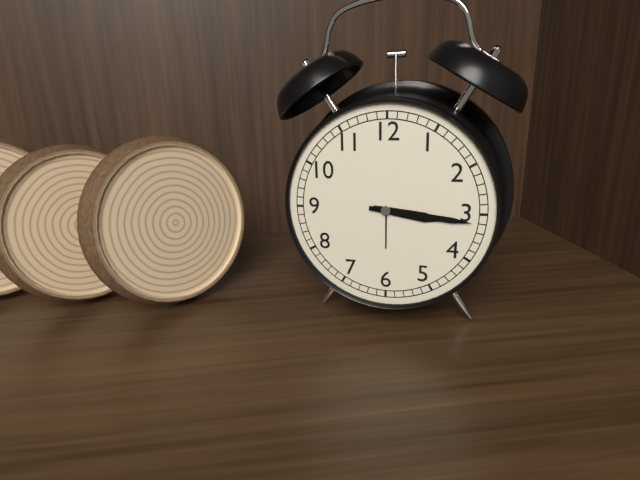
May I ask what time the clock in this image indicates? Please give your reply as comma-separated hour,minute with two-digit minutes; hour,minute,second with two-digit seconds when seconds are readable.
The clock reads 3,16
